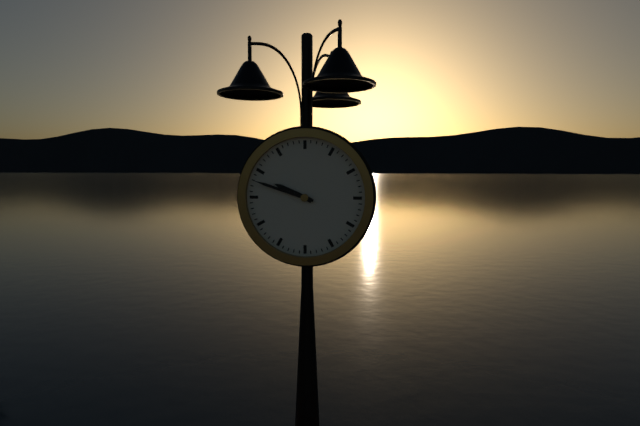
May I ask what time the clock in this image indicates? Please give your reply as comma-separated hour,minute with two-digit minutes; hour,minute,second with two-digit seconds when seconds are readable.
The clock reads 9,48
